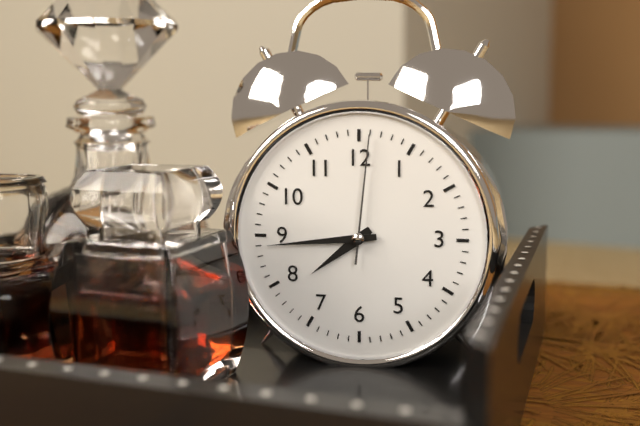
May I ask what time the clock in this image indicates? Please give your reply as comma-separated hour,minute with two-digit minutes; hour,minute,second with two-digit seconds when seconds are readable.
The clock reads 7,44,01
